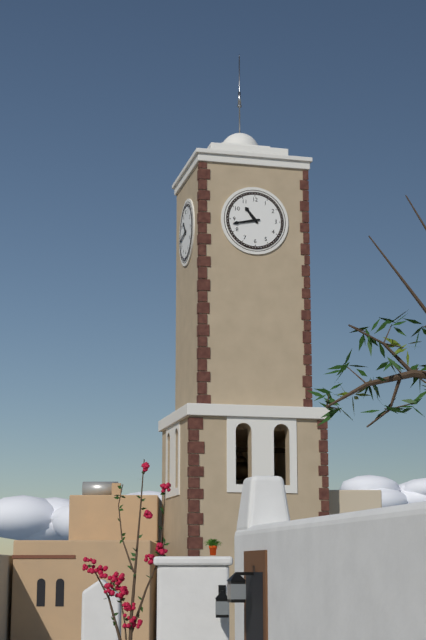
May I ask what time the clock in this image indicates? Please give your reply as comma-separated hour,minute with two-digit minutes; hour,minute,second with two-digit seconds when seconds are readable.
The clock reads 10,43
